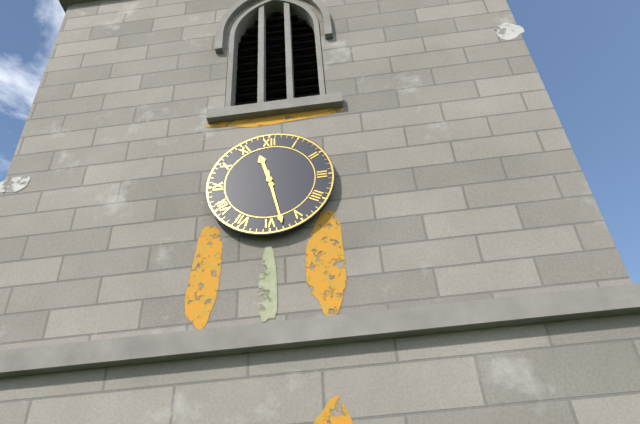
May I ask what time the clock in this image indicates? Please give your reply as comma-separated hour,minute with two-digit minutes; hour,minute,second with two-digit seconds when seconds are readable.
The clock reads 11,28
